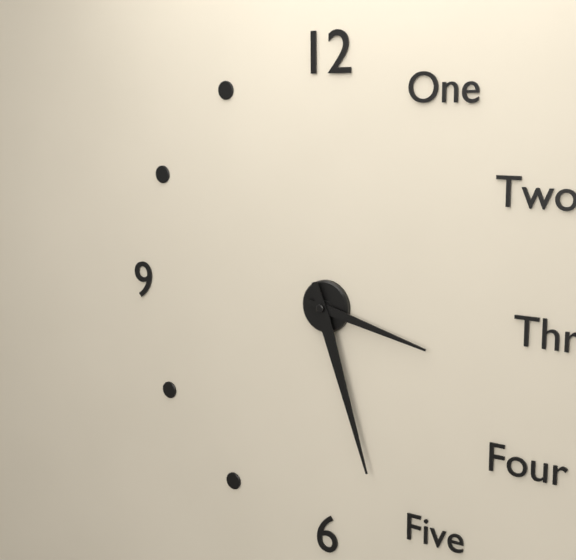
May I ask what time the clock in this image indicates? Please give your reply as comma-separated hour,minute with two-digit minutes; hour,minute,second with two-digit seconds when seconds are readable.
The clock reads 3,27
